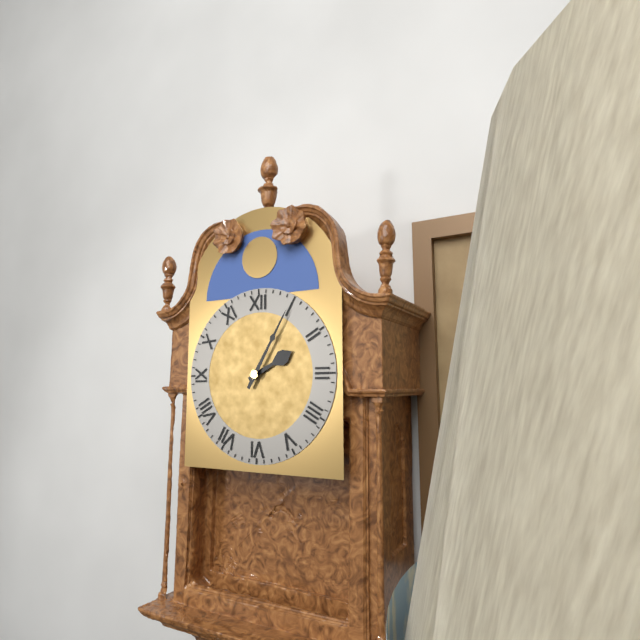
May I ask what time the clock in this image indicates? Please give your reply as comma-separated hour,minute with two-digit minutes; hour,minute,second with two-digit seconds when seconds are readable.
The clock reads 2,05
